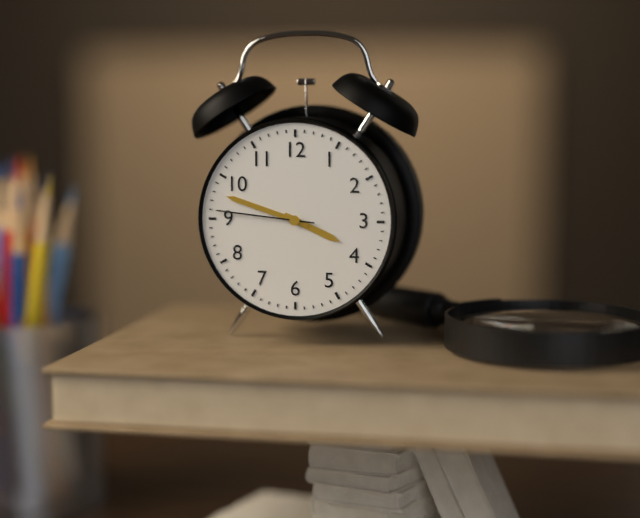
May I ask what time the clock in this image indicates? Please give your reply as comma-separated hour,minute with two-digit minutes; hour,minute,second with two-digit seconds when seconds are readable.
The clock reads 3,48,46
